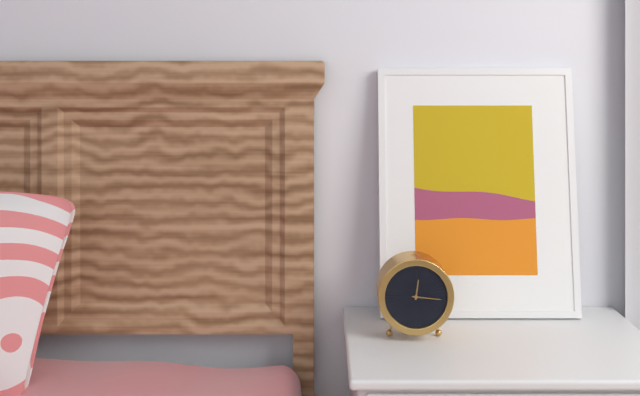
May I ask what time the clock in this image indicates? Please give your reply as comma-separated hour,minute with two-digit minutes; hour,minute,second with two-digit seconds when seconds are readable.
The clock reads 12,16
